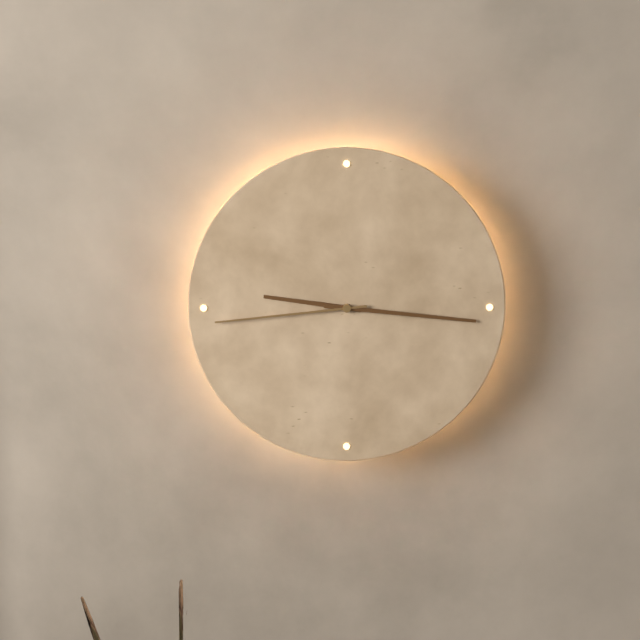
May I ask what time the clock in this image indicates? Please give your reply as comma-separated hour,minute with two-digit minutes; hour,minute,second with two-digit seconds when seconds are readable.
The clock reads 9,16,44
